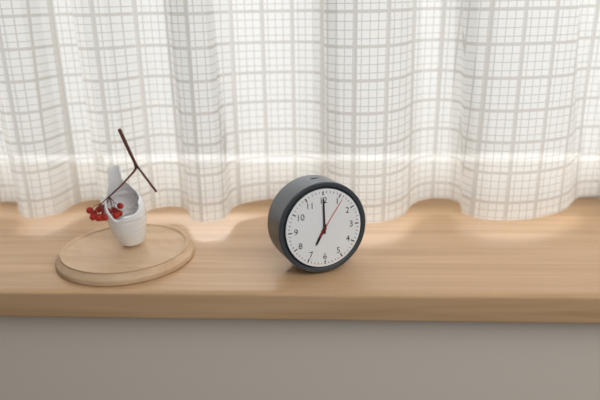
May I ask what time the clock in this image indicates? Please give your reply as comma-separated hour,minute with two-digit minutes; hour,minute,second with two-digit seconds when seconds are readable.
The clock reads 7,00
